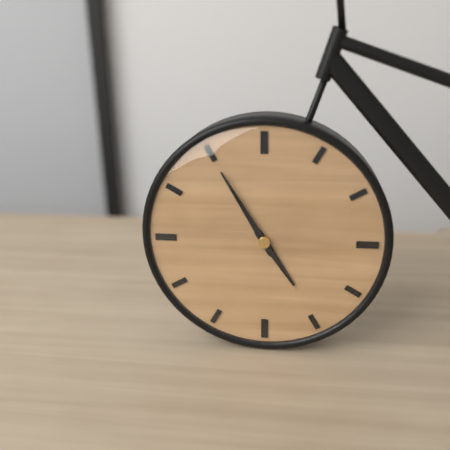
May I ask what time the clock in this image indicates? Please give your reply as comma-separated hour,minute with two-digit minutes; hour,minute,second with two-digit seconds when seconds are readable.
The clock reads 4,55
